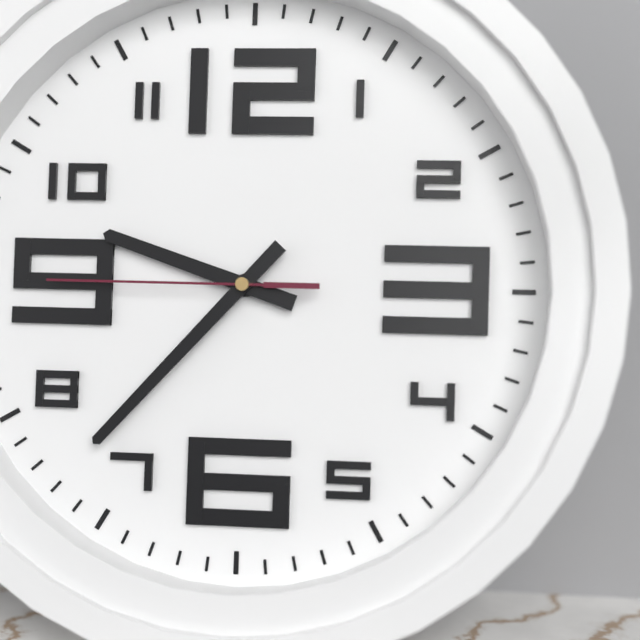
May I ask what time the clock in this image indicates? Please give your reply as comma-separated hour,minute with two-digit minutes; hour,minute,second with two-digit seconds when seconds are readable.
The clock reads 9,37,45
